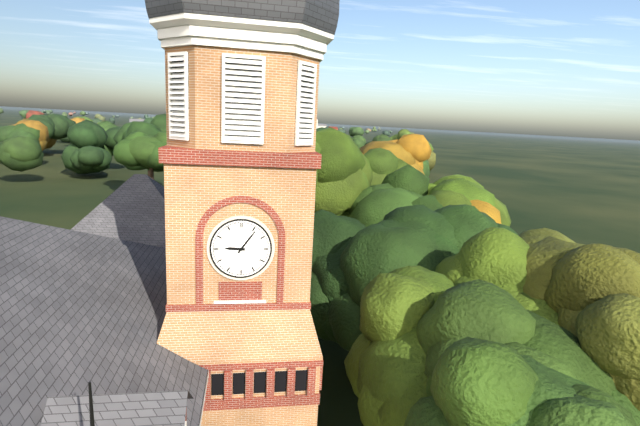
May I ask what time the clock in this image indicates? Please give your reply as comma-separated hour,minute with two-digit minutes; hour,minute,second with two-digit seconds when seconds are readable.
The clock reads 9,06
